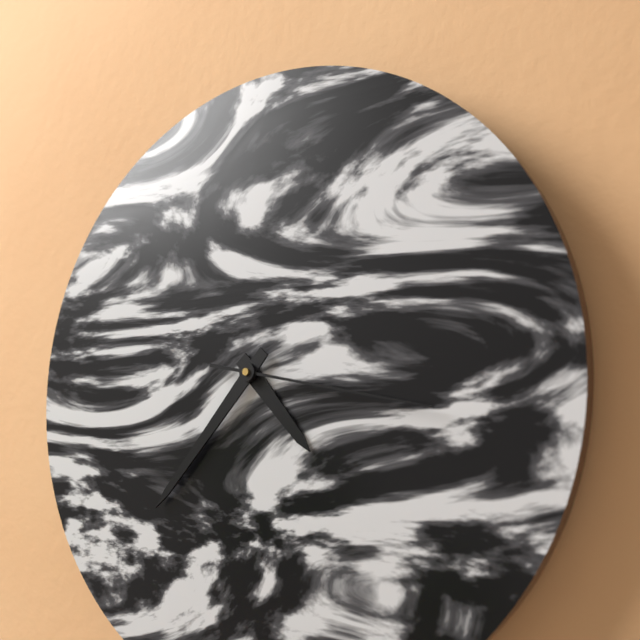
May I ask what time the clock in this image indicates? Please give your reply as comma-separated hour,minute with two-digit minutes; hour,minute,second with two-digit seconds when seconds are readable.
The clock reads 4,37,17
